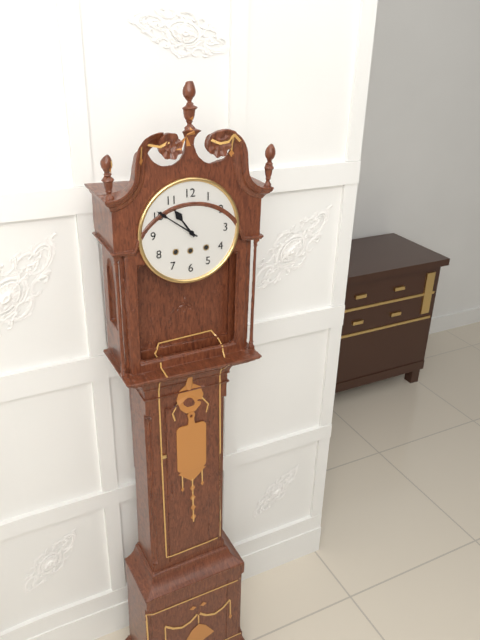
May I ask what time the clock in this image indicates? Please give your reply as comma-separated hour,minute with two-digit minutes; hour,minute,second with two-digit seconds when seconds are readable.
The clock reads 10,51
